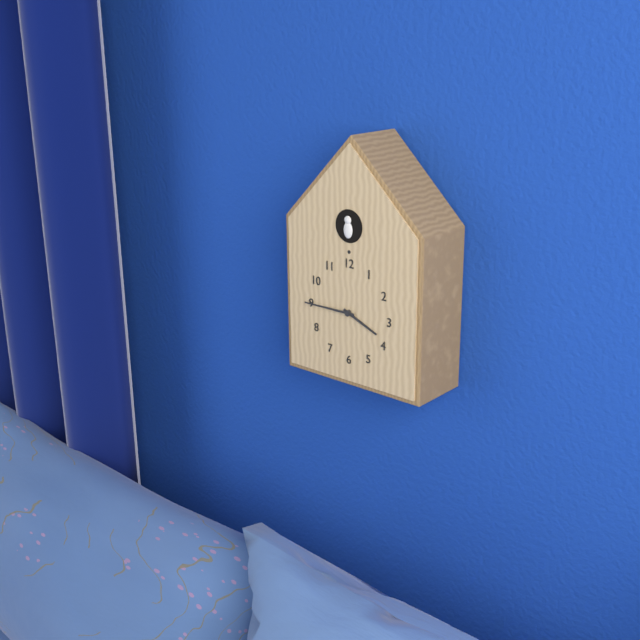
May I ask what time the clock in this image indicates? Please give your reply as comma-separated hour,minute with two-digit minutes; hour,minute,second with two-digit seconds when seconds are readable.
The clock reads 3,45
